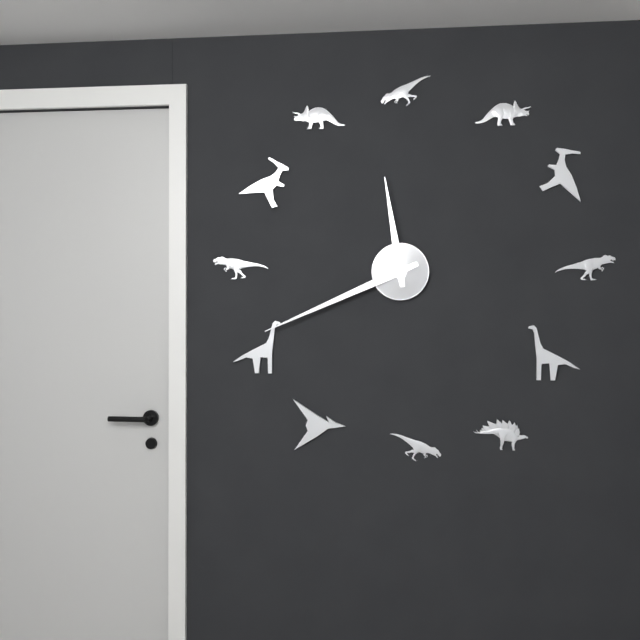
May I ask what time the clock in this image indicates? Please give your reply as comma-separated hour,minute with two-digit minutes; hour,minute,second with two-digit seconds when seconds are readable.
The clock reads 11,41
